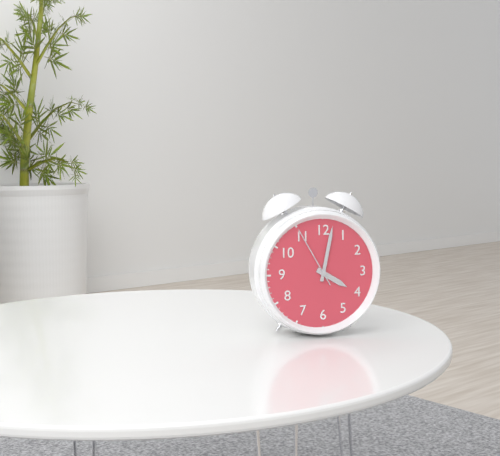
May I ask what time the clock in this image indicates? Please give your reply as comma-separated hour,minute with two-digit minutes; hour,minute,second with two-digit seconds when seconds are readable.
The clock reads 4,02,55
